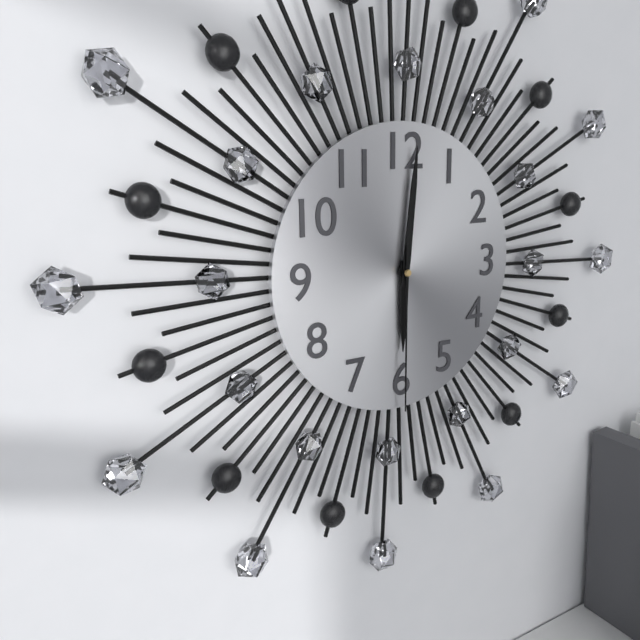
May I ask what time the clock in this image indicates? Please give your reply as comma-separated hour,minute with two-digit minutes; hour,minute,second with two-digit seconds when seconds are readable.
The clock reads 6,01,30
